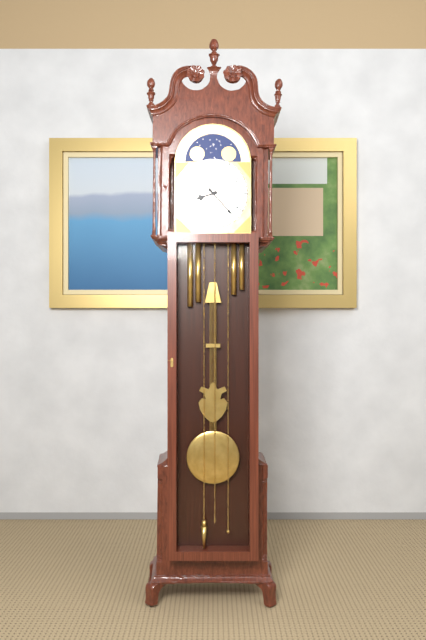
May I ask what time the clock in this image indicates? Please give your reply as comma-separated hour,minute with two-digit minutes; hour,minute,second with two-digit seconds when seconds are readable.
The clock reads 8,23
